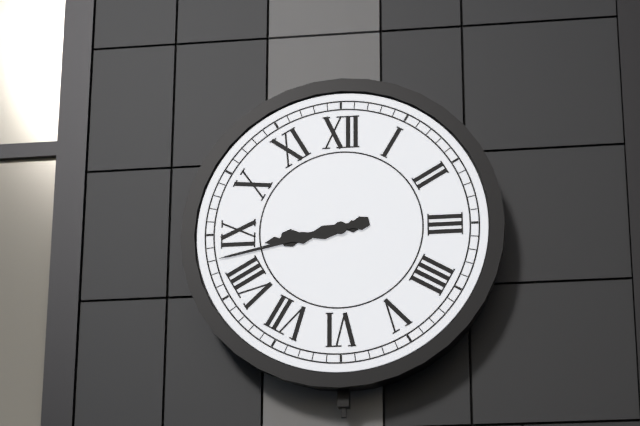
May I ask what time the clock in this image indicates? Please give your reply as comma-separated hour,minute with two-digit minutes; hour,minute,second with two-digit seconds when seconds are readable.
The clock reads 8,43
